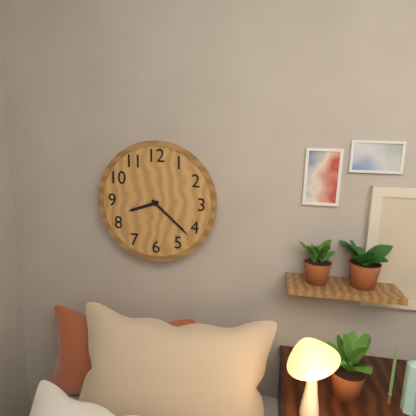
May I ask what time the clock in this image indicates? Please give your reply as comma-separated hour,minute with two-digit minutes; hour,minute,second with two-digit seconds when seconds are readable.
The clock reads 8,22
